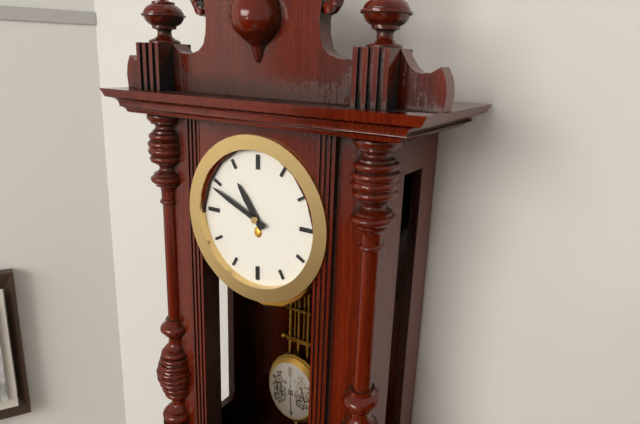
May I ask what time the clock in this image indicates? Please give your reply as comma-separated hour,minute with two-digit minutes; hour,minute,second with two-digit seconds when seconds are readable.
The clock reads 10,49
